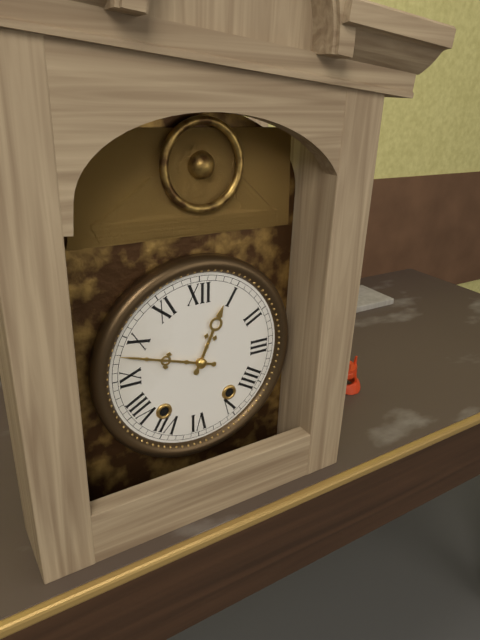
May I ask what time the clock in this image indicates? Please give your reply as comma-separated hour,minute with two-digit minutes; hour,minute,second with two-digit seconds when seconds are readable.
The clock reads 12,48
